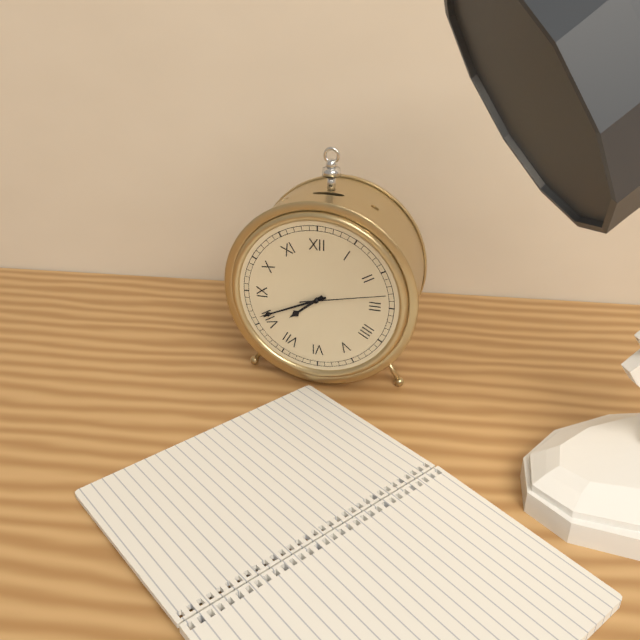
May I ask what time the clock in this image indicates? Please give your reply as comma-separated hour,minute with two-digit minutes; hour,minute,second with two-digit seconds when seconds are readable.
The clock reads 7,41,13
